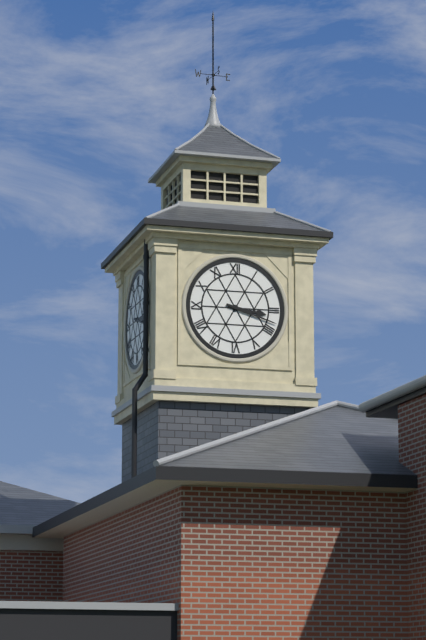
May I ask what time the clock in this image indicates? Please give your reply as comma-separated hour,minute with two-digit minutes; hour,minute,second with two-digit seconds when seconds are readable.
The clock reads 3,18
